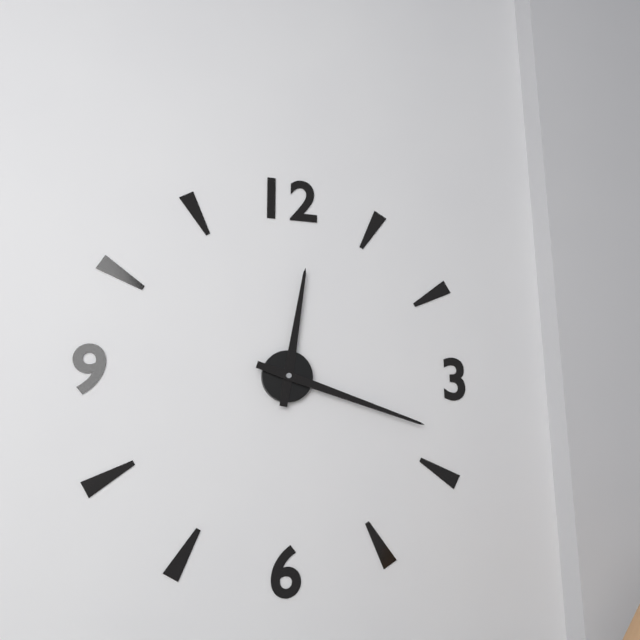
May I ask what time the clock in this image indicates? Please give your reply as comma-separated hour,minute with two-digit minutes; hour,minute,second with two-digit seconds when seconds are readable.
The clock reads 12,18
